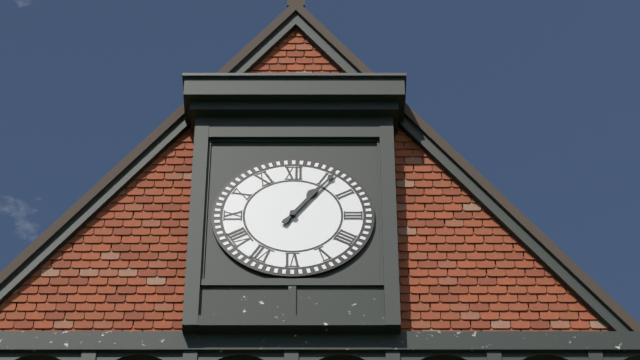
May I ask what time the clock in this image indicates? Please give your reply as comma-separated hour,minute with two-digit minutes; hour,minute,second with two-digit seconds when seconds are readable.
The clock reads 1,06
